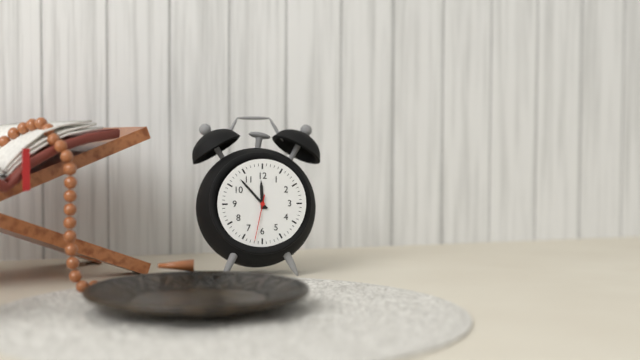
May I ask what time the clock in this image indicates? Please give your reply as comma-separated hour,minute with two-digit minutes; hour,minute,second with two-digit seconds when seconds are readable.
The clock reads 11,53
